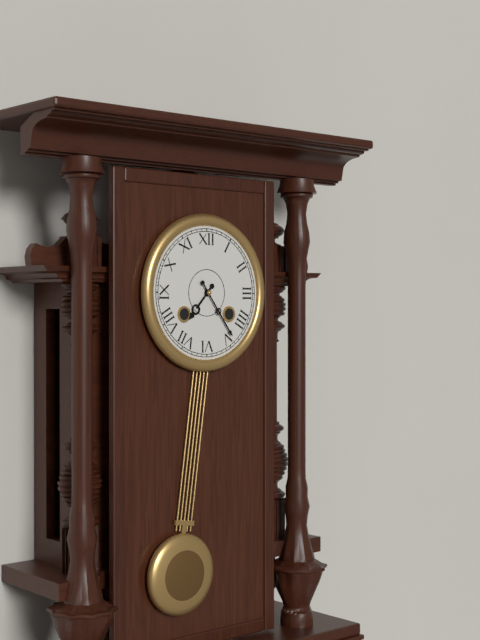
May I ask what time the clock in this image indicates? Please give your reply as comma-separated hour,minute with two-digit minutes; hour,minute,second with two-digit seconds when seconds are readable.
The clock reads 7,24
